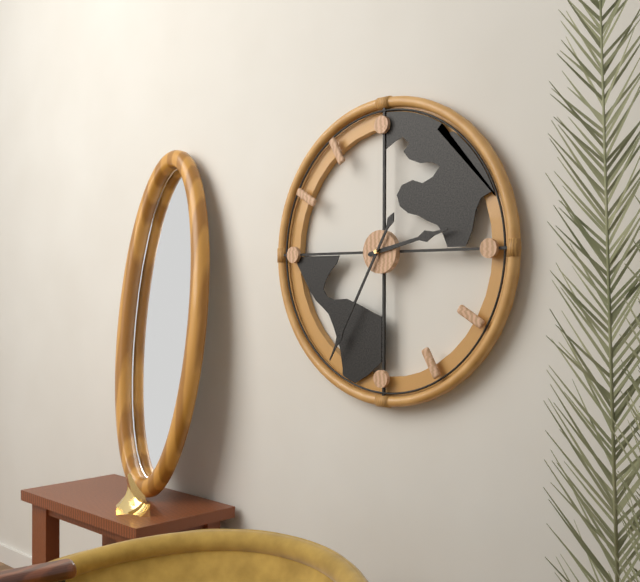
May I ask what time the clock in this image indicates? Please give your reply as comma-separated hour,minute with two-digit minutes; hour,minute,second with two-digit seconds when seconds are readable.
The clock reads 2,35
